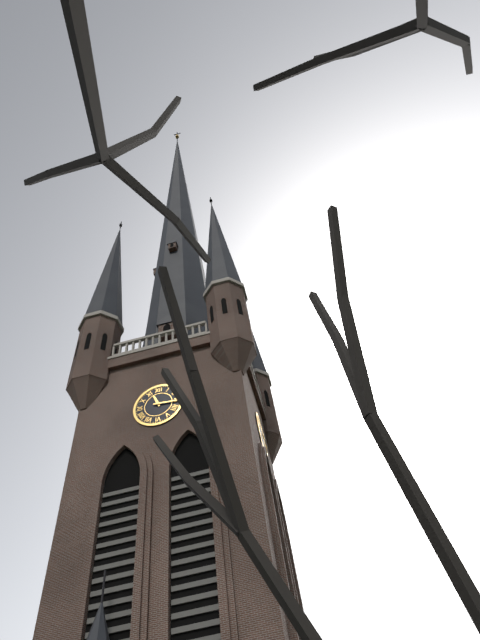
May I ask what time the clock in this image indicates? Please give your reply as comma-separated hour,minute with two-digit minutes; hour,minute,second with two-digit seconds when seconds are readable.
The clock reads 11,16
